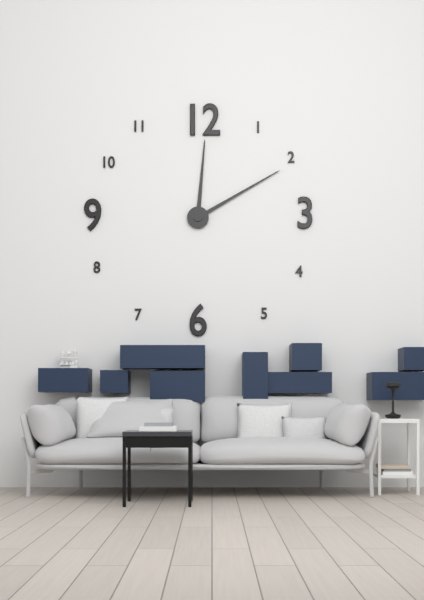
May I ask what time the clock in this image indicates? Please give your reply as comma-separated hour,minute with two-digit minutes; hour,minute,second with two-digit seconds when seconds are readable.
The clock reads 12,10
